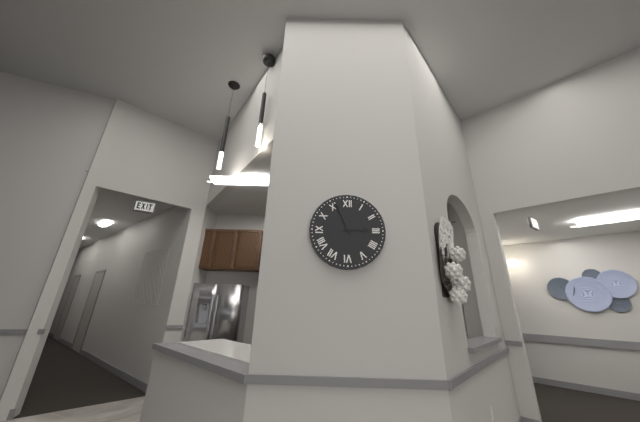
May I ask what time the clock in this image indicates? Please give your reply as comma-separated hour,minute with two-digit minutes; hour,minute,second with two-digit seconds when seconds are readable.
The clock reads 2,56
